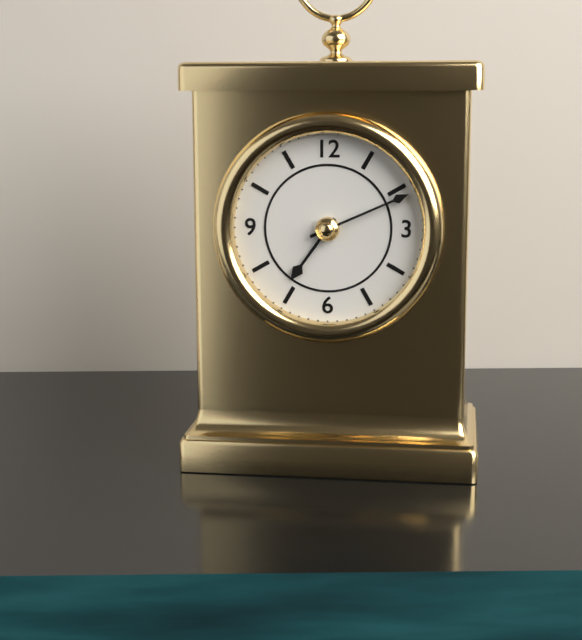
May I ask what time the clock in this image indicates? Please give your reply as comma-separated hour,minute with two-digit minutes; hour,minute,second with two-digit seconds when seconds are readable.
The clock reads 7,11
